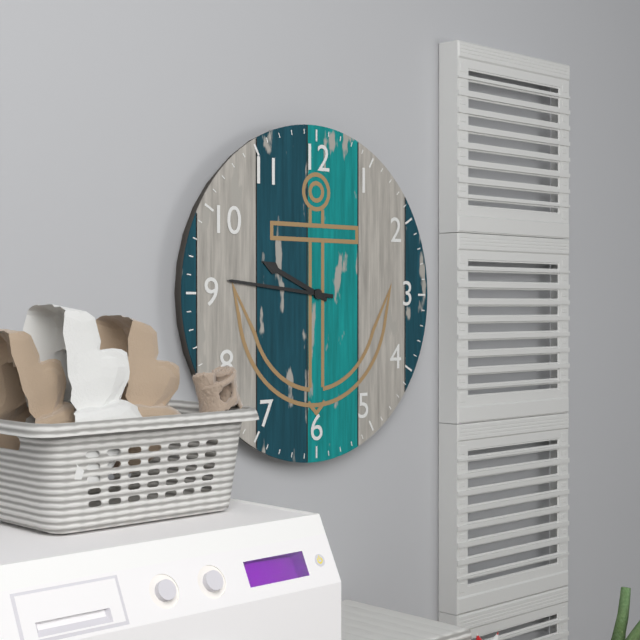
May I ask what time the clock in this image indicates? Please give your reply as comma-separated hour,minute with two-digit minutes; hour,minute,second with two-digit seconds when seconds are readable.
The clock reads 9,46
